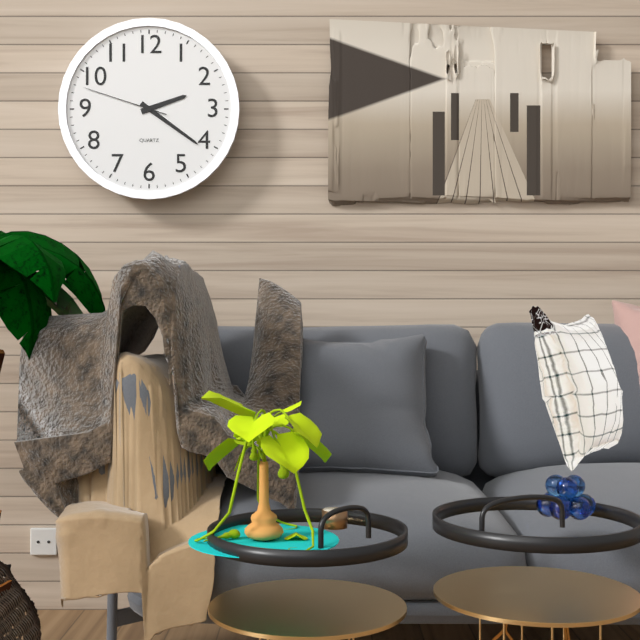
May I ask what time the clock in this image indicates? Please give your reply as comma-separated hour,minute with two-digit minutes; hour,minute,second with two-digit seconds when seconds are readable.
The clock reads 2,21,48
